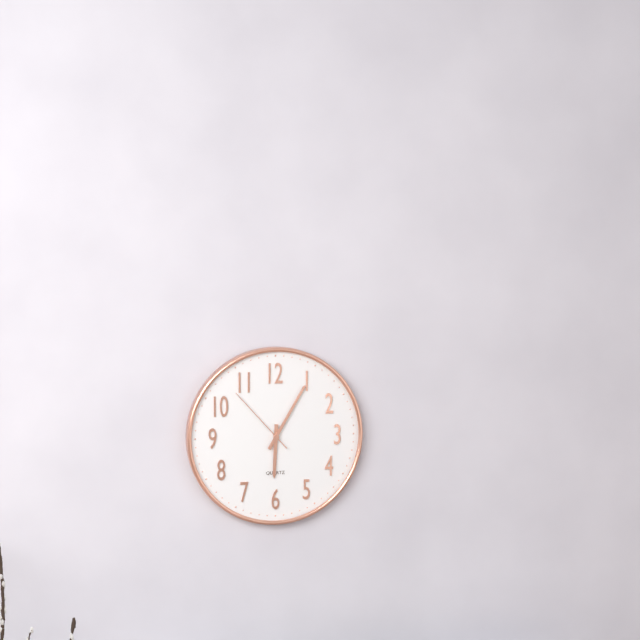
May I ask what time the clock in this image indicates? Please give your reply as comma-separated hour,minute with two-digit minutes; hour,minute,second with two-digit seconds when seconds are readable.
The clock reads 6,05,53
